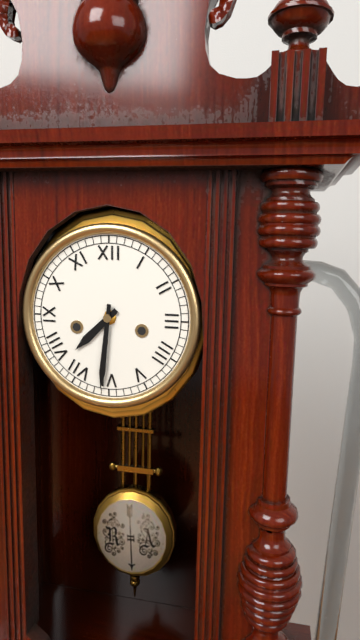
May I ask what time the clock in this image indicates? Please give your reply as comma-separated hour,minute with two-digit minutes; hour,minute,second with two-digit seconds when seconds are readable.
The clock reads 7,31
